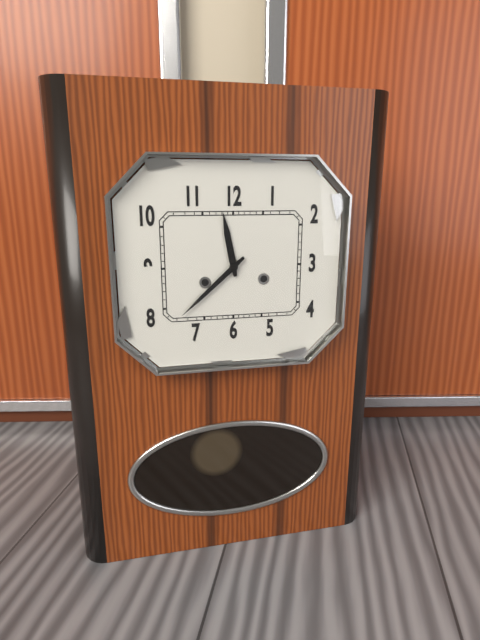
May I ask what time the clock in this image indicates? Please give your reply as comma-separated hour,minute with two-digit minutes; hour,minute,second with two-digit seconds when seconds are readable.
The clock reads 11,38
